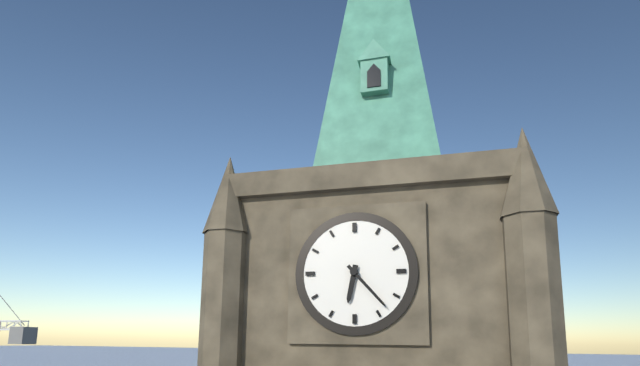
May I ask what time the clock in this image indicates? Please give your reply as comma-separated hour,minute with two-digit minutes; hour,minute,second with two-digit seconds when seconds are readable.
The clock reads 6,23
